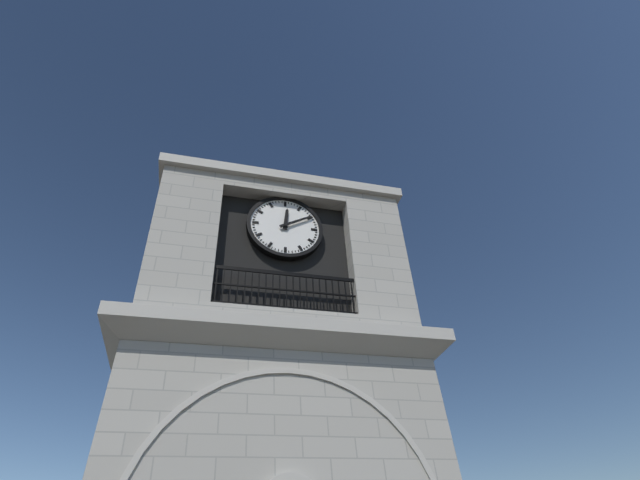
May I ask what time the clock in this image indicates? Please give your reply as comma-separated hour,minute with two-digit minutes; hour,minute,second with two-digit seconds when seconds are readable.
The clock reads 12,10
